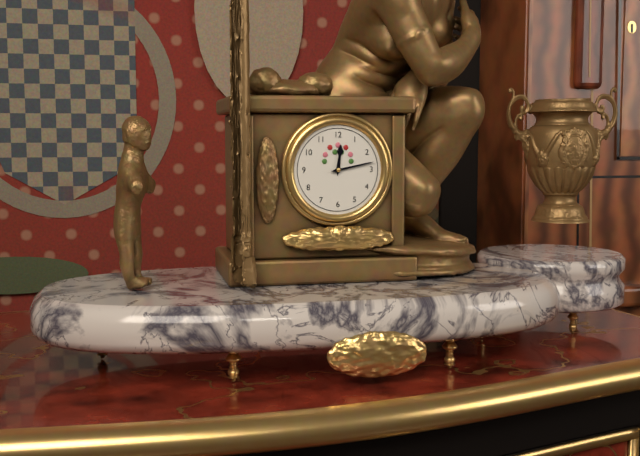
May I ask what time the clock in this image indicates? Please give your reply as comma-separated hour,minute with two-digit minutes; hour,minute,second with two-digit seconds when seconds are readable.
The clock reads 12,13
